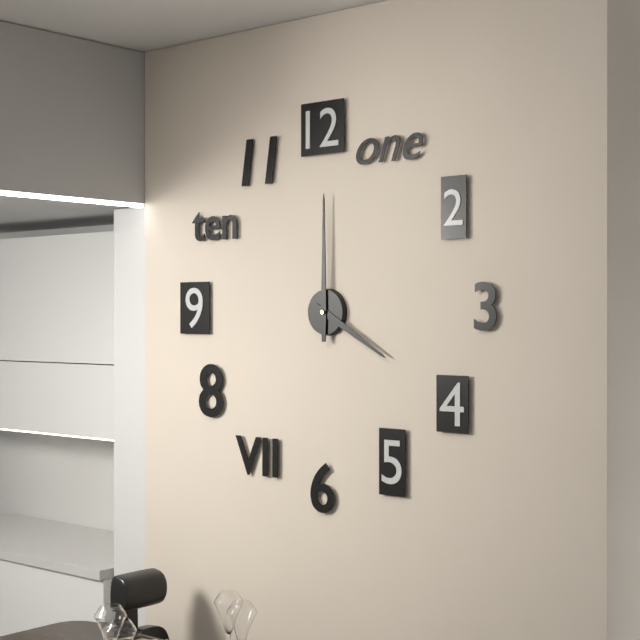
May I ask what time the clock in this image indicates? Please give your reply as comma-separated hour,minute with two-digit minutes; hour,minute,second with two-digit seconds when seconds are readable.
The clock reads 4,00
